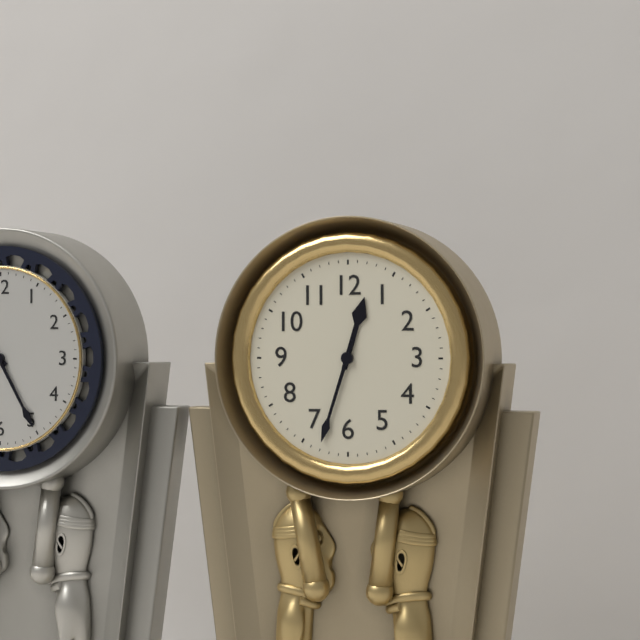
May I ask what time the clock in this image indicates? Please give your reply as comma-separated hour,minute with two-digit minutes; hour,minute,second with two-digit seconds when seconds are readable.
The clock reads 12,33
